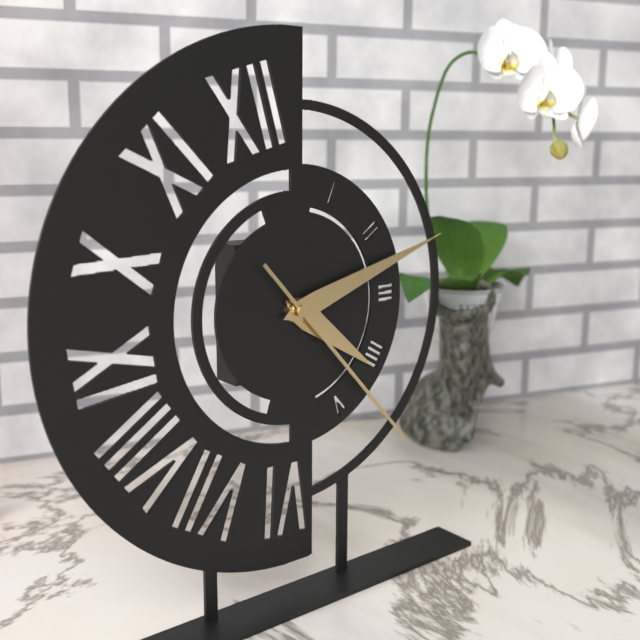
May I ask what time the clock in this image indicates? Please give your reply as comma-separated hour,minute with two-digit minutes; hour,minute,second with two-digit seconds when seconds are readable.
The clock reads 4,12,23
